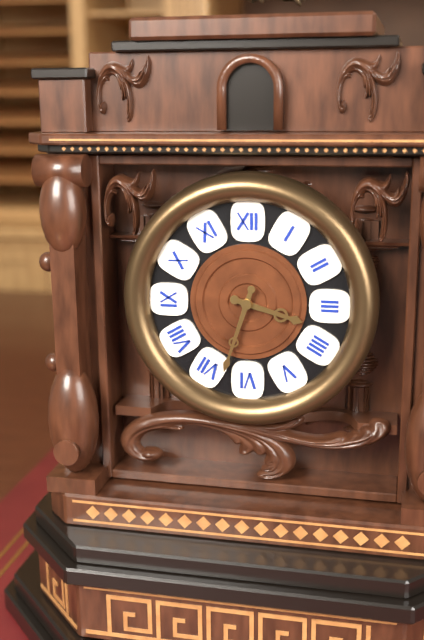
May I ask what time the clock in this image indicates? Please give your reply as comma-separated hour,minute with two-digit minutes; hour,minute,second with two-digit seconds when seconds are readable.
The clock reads 3,33
